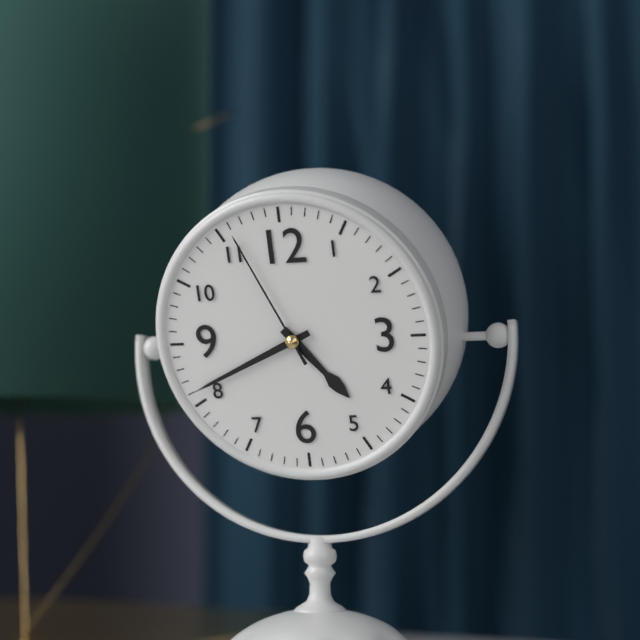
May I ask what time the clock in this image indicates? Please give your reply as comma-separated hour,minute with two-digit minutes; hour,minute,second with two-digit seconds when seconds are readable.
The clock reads 4,41,56
